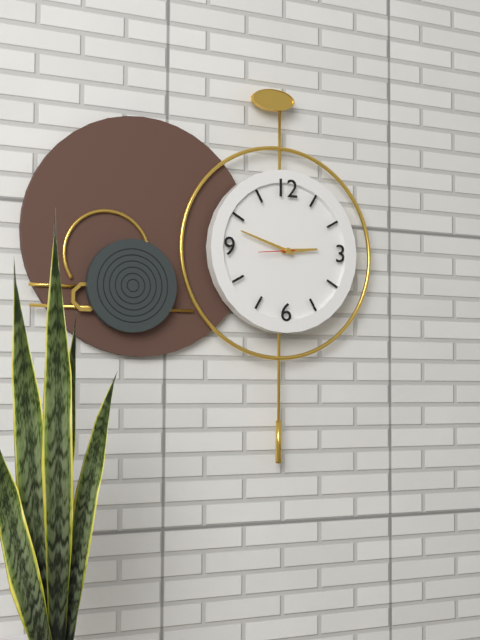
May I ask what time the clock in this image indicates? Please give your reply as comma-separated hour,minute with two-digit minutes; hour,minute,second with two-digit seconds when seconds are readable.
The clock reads 2,48
